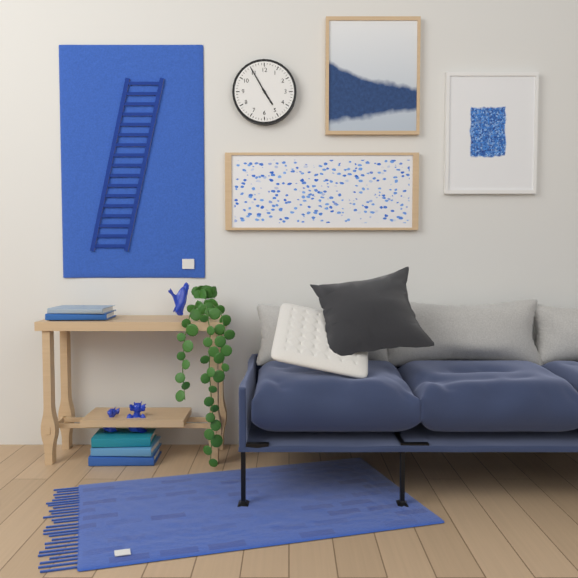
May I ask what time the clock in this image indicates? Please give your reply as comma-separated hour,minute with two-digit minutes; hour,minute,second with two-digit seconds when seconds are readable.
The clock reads 4,55
